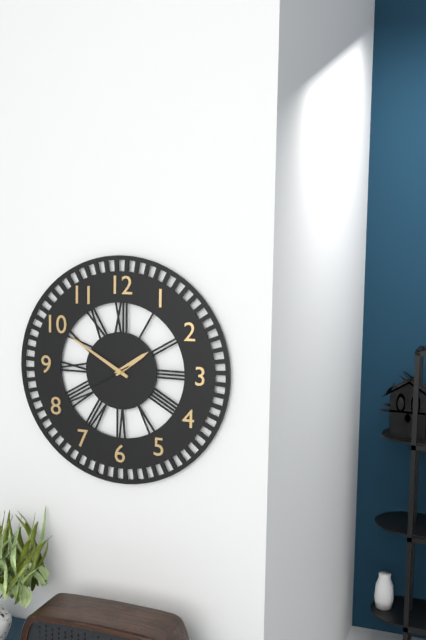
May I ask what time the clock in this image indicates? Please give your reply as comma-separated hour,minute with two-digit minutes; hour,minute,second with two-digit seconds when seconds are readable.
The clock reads 1,50,40
